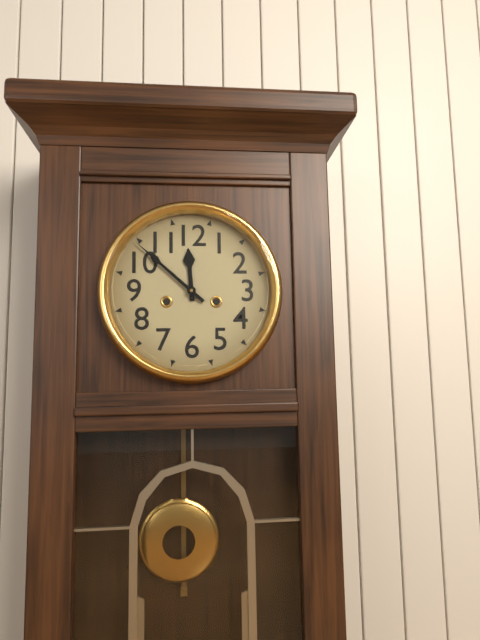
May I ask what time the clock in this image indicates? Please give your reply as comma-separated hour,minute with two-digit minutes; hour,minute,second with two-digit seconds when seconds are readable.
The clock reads 11,52
